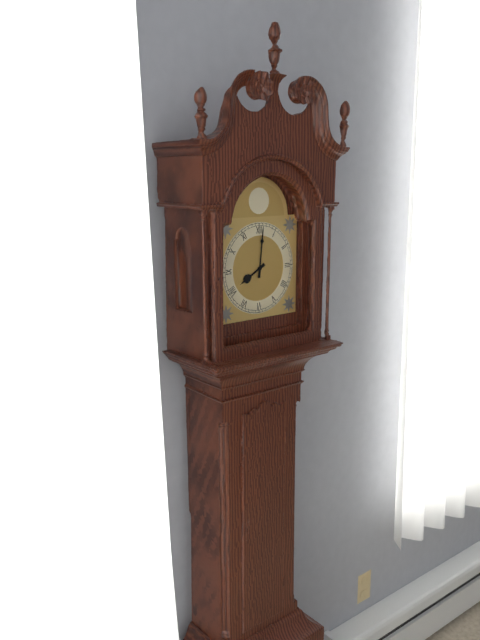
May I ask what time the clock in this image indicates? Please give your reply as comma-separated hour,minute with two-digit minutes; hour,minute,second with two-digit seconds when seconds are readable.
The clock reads 8,01
